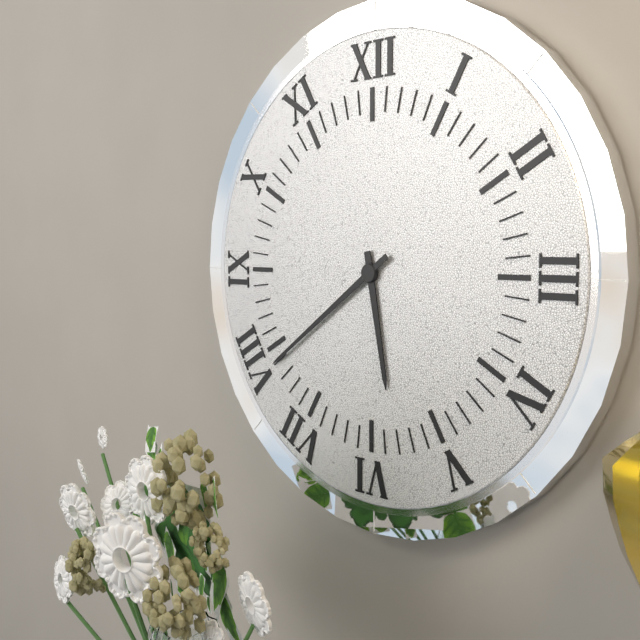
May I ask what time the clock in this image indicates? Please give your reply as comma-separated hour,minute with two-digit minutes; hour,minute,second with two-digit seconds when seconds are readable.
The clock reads 5,39
